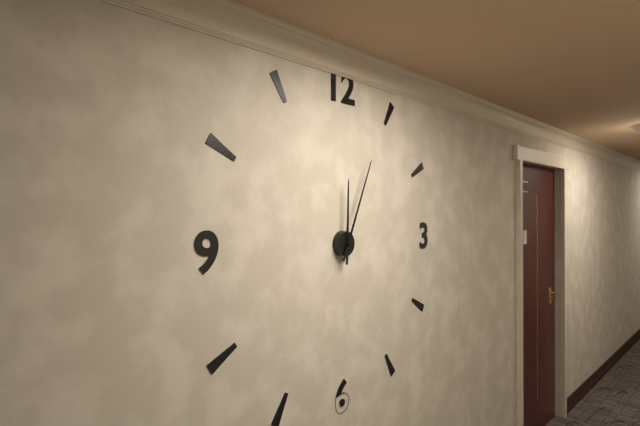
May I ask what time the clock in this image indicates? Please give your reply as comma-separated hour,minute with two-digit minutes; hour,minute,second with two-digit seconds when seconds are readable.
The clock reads 12,04
